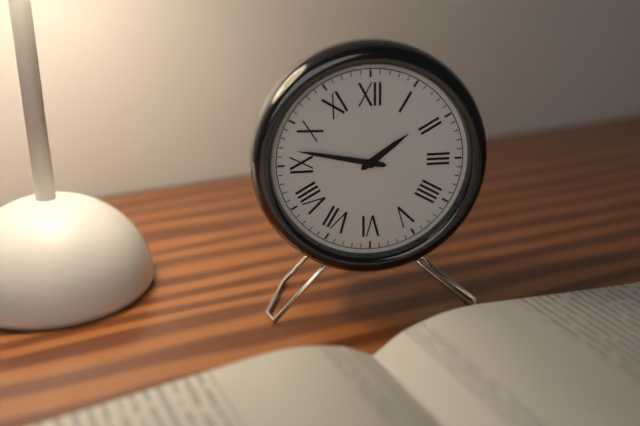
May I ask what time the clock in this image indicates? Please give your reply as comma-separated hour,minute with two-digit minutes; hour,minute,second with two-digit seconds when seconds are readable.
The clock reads 1,47
